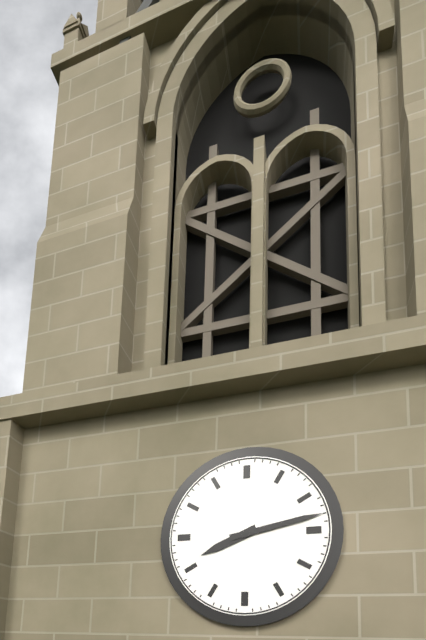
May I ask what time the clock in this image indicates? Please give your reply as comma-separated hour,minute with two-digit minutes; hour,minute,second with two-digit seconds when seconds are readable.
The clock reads 8,13
